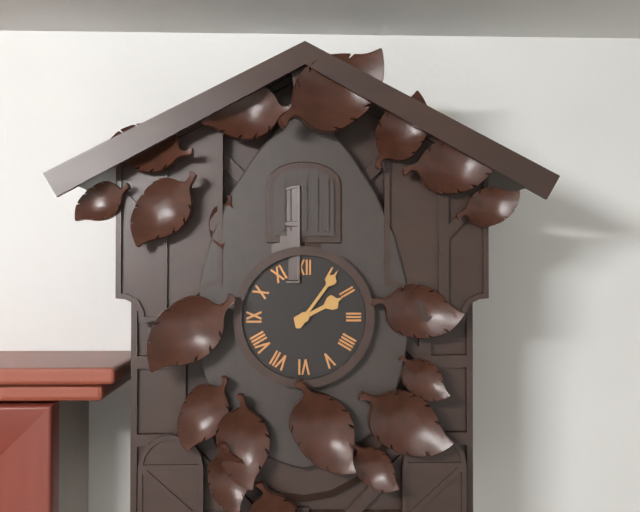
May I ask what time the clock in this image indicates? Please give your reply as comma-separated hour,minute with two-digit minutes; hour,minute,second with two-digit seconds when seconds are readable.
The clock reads 2,06
